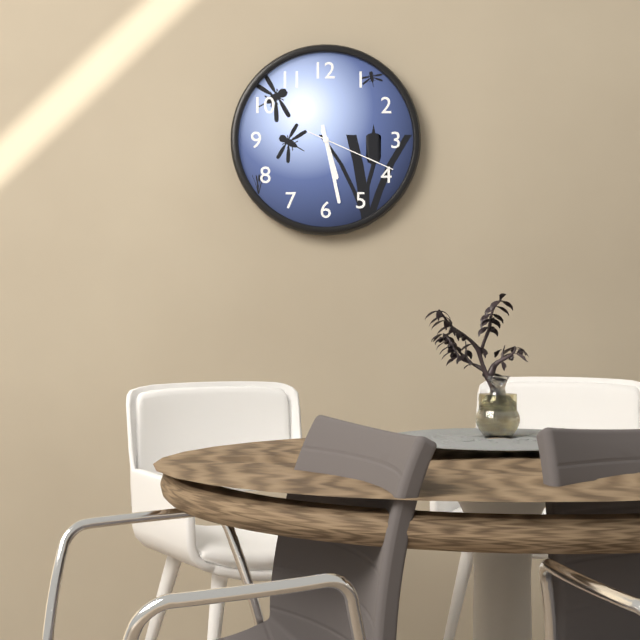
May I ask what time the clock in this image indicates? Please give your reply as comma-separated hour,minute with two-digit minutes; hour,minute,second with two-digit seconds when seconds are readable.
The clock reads 5,28,19
